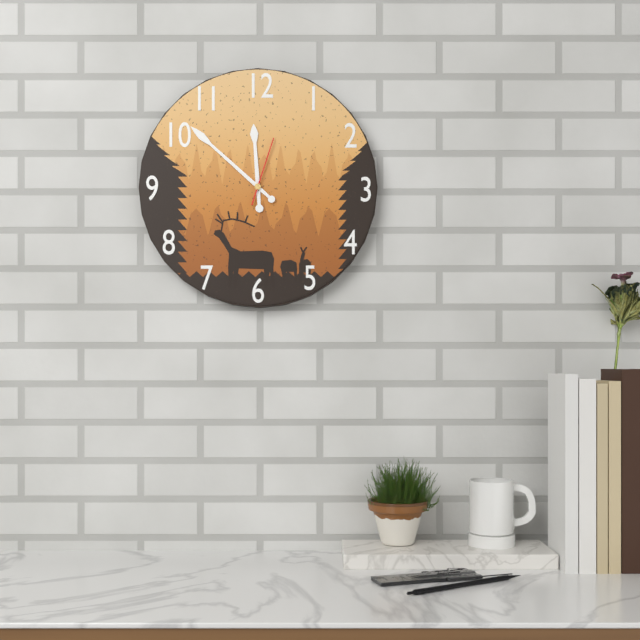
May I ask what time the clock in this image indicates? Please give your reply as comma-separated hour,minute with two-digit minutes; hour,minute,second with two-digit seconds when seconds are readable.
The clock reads 11,52,03
